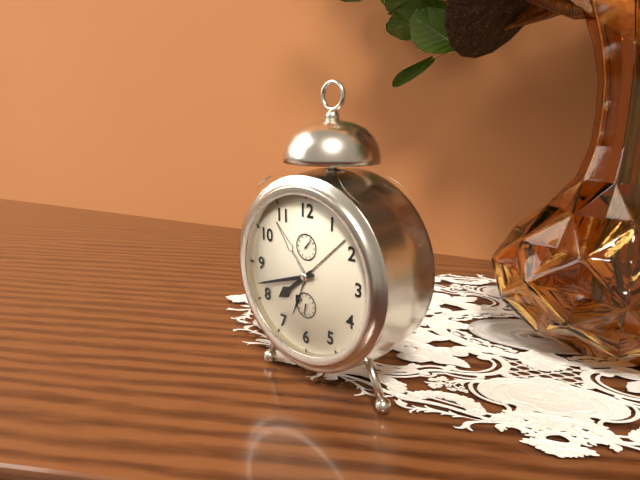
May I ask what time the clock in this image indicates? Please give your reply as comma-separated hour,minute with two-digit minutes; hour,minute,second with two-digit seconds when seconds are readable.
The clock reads 7,42
